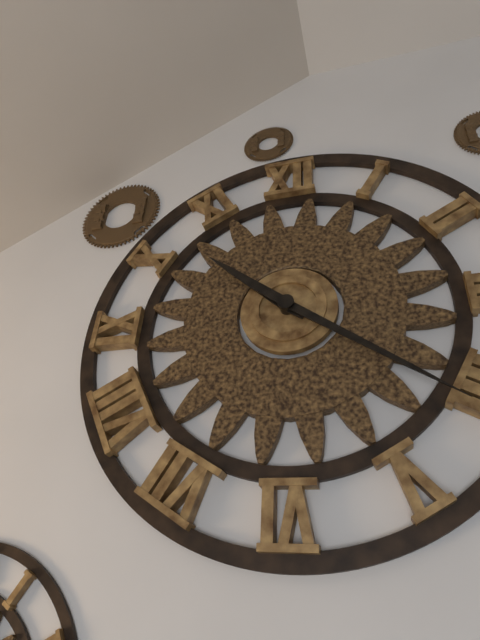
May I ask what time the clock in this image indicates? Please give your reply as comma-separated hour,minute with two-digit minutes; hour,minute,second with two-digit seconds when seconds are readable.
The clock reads 10,21
